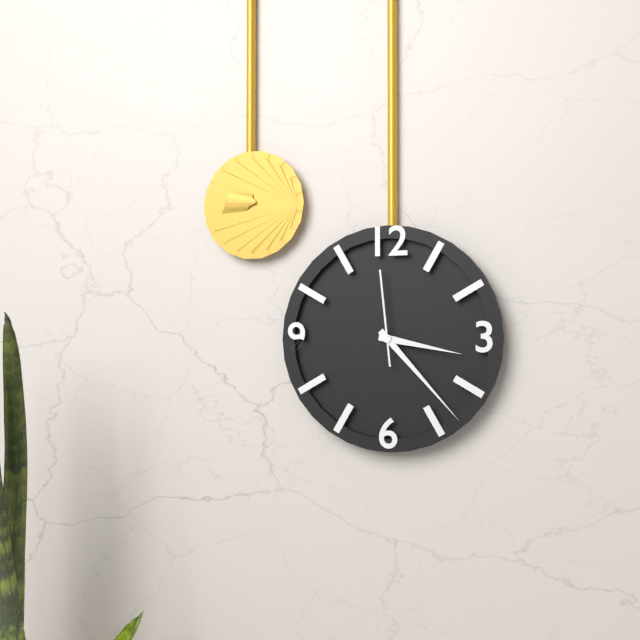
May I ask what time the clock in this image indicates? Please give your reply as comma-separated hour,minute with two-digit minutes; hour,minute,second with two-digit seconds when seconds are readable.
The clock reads 3,23,59
